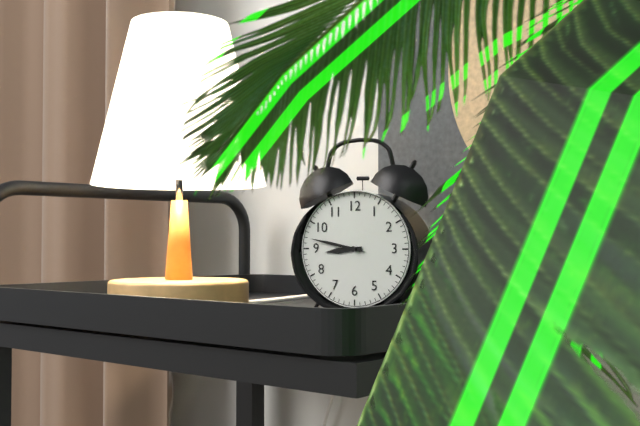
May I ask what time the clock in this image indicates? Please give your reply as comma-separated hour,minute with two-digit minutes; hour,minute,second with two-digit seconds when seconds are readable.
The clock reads 8,47
